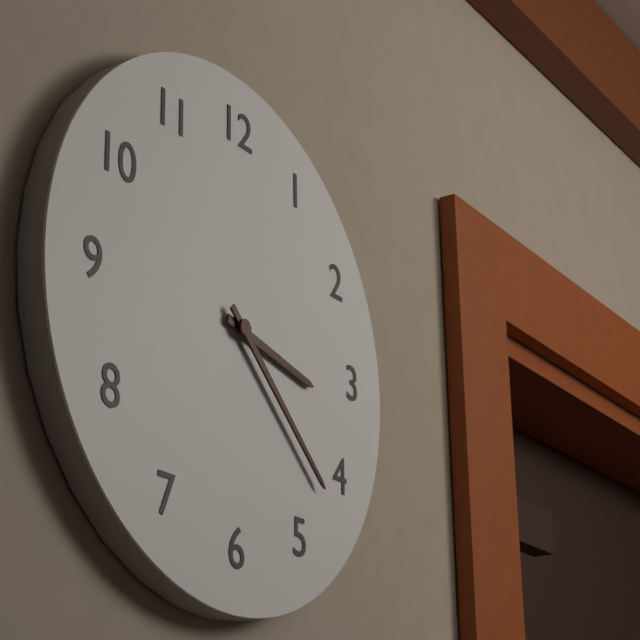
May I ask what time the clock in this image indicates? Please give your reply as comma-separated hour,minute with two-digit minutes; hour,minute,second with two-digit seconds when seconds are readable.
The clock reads 3,22
